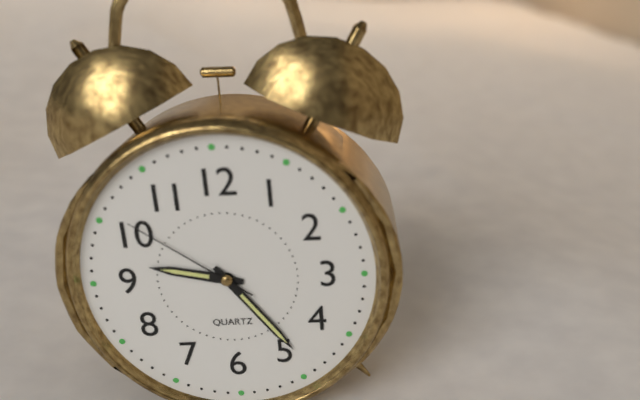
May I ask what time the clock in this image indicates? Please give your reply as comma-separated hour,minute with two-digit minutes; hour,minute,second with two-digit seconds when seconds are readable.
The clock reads 9,24,51
